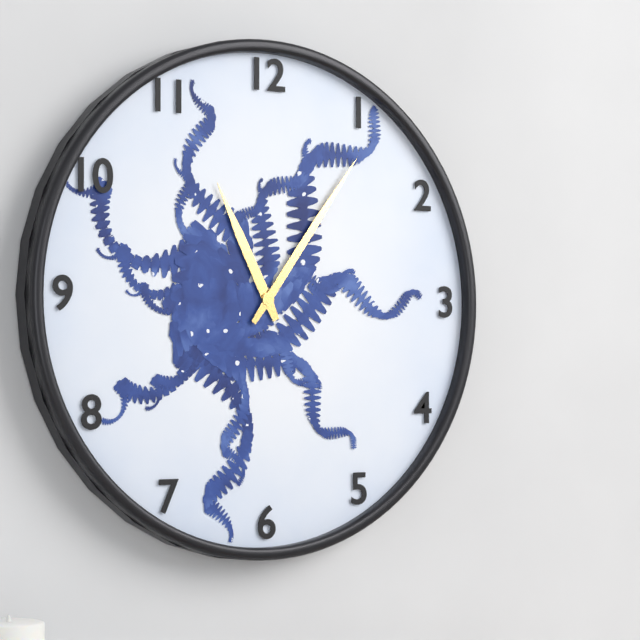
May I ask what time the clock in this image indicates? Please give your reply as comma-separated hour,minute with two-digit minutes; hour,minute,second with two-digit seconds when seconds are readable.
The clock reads 11,06
